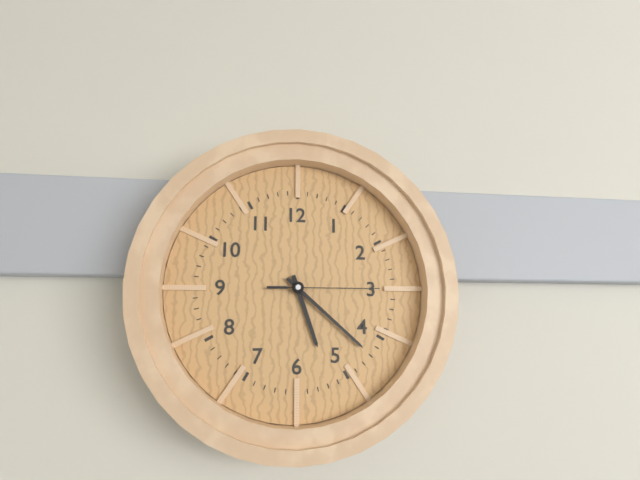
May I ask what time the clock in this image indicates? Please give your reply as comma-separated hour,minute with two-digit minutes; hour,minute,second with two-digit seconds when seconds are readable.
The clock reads 5,22,15
